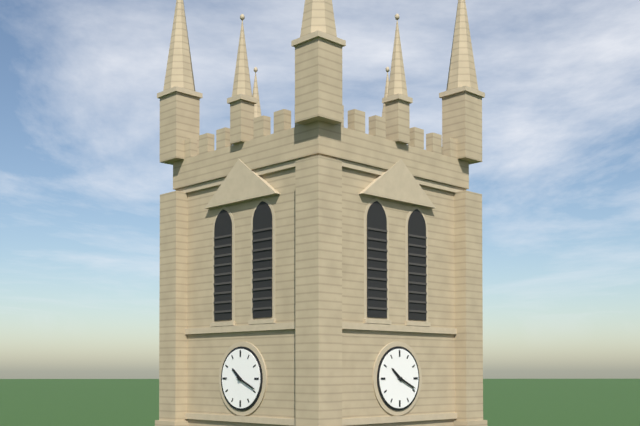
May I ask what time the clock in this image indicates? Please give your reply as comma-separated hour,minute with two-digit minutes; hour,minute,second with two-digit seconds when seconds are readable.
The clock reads 10,19
